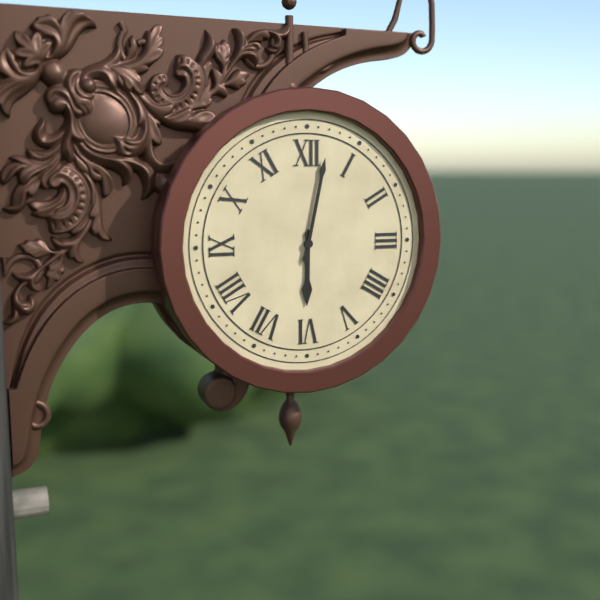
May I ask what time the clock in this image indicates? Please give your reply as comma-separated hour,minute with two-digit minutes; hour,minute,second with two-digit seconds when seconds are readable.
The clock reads 6,02
